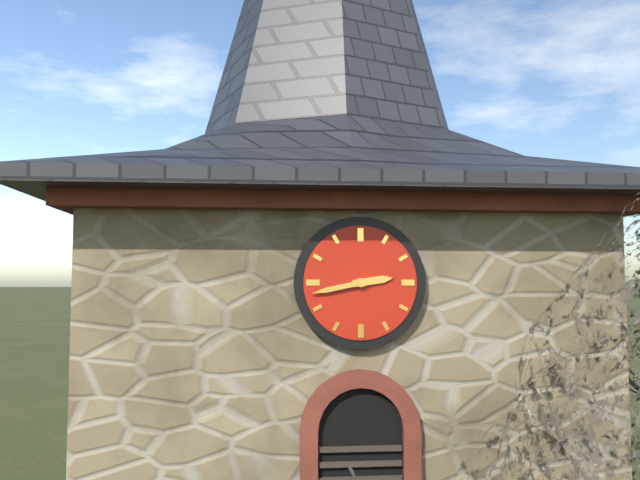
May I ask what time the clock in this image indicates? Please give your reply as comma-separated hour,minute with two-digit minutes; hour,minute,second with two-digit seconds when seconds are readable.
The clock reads 2,43
